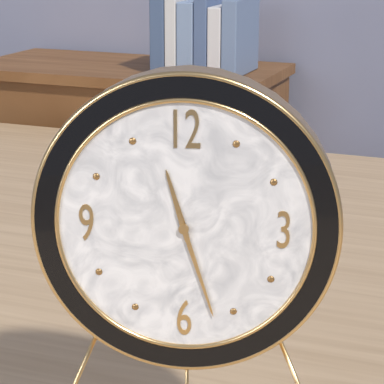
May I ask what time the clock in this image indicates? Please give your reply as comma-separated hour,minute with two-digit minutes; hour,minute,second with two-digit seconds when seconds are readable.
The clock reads 11,27
